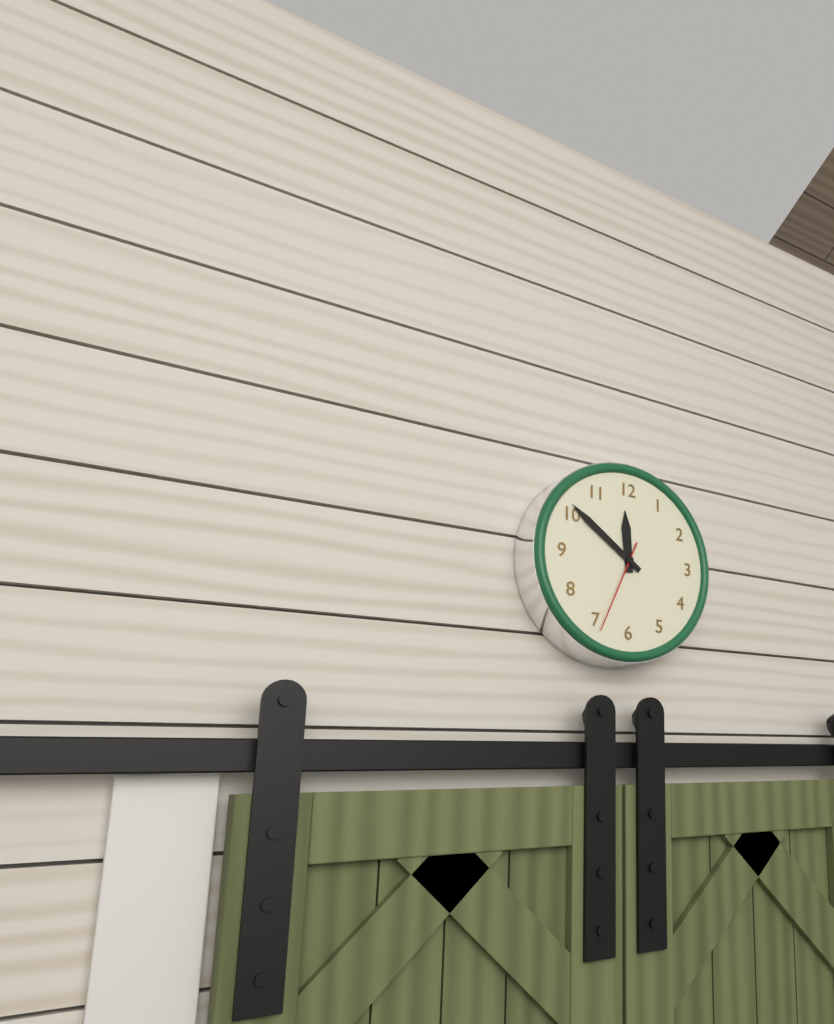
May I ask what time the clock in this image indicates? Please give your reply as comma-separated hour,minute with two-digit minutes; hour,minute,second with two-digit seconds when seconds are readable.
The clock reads 11,51,34
